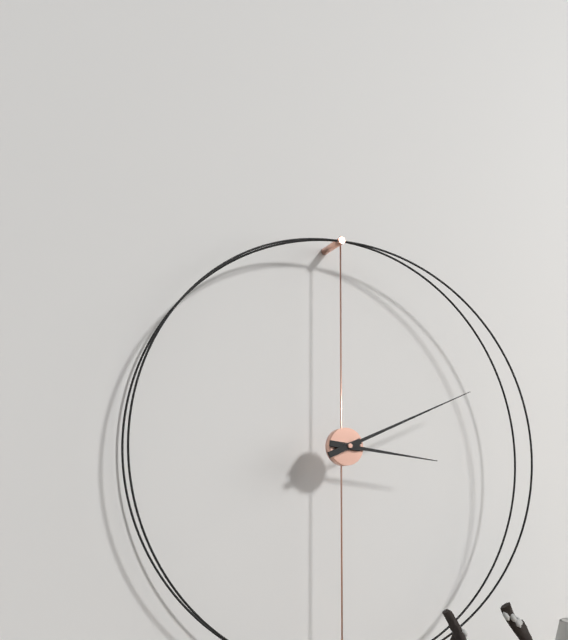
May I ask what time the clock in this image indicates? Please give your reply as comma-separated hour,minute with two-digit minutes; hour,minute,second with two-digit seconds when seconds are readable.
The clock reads 3,11
